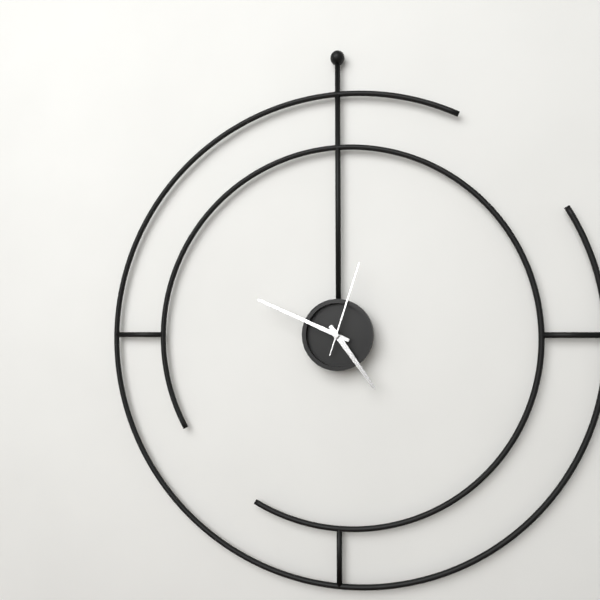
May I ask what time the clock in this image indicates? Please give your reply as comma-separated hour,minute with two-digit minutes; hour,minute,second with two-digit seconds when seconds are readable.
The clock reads 4,49,03
